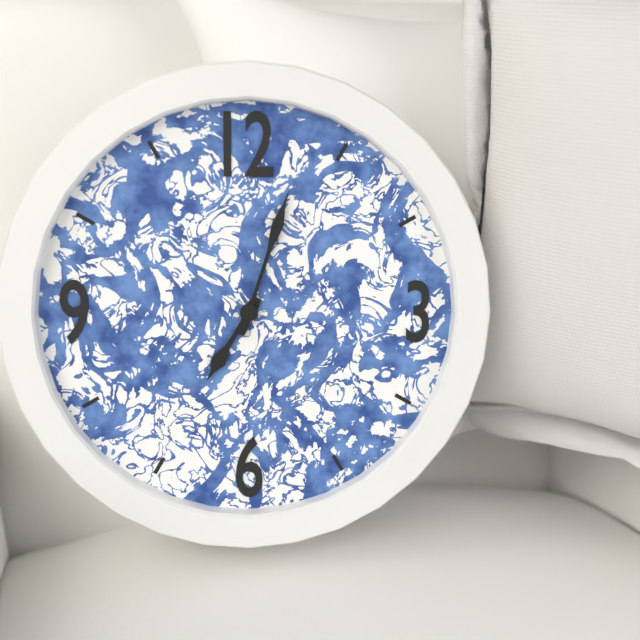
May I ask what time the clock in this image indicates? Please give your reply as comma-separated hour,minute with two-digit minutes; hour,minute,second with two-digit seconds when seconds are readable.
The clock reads 7,03
